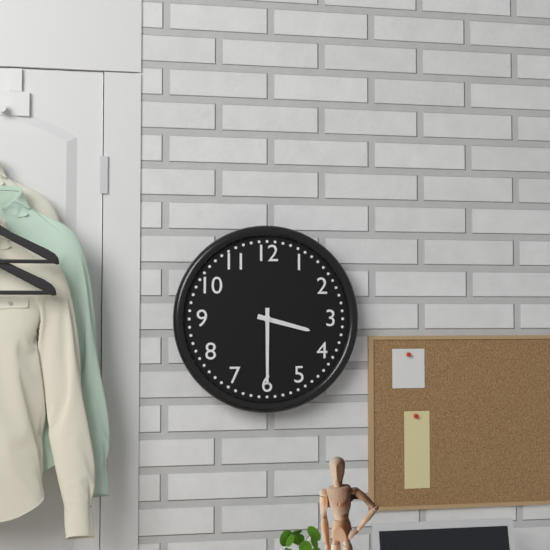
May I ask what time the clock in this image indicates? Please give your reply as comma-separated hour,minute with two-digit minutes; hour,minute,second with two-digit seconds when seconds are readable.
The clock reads 3,30
